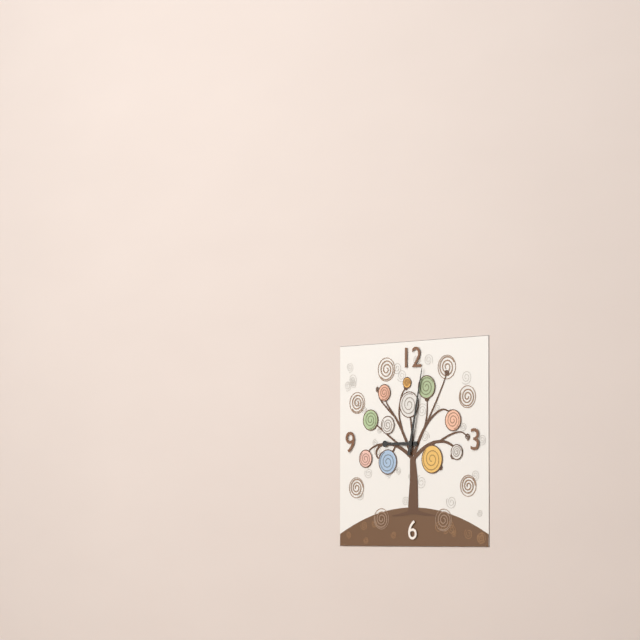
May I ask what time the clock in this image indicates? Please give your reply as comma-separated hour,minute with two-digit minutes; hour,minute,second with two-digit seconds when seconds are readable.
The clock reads 9,02
